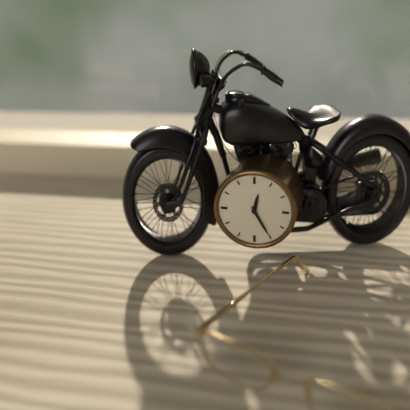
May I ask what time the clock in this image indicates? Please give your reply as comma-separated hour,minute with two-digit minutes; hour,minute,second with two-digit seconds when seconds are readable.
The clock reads 12,25
